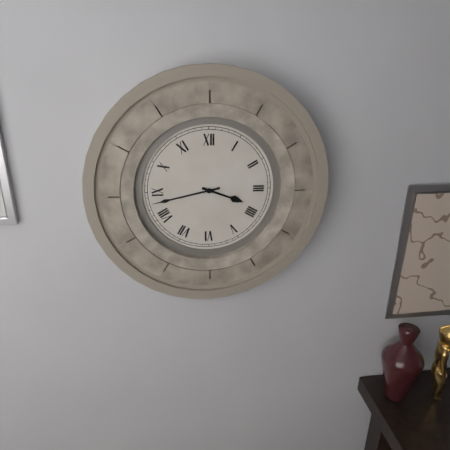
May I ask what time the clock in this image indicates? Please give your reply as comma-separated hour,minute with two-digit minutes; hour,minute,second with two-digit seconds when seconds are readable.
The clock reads 3,43
